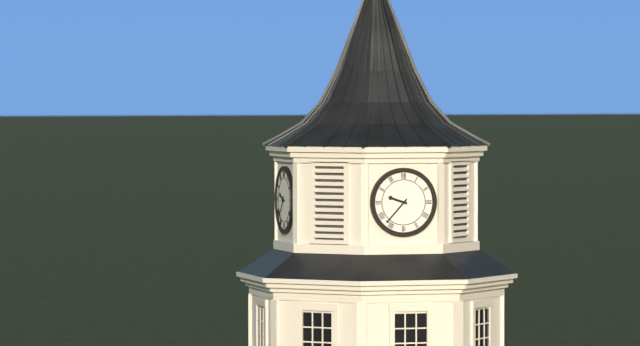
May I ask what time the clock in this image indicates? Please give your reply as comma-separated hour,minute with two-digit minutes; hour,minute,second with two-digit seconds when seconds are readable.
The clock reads 9,37
